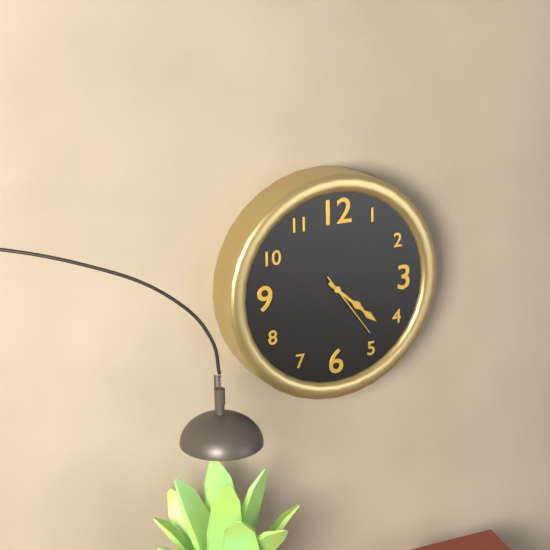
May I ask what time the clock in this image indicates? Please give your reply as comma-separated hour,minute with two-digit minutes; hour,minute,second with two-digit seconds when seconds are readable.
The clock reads 4,22,24
